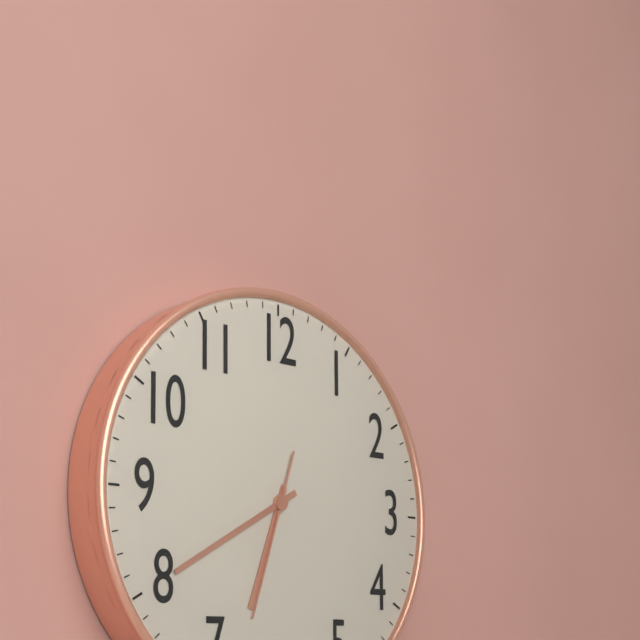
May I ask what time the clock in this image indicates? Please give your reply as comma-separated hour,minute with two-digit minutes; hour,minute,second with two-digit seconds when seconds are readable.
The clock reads 6,40,33
